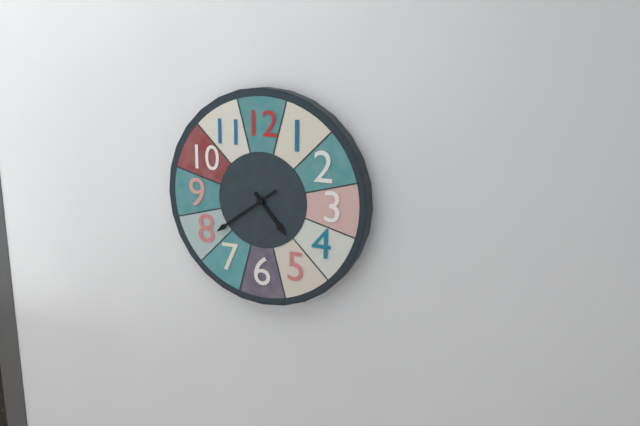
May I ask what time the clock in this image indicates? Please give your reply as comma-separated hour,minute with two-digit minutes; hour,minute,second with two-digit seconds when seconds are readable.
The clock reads 4,39
